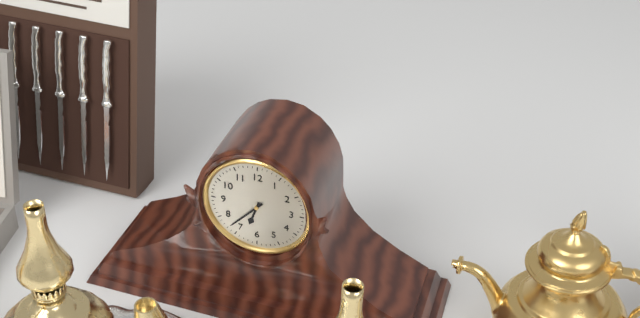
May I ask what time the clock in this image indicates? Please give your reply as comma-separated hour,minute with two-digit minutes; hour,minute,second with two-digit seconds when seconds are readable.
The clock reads 6,37
